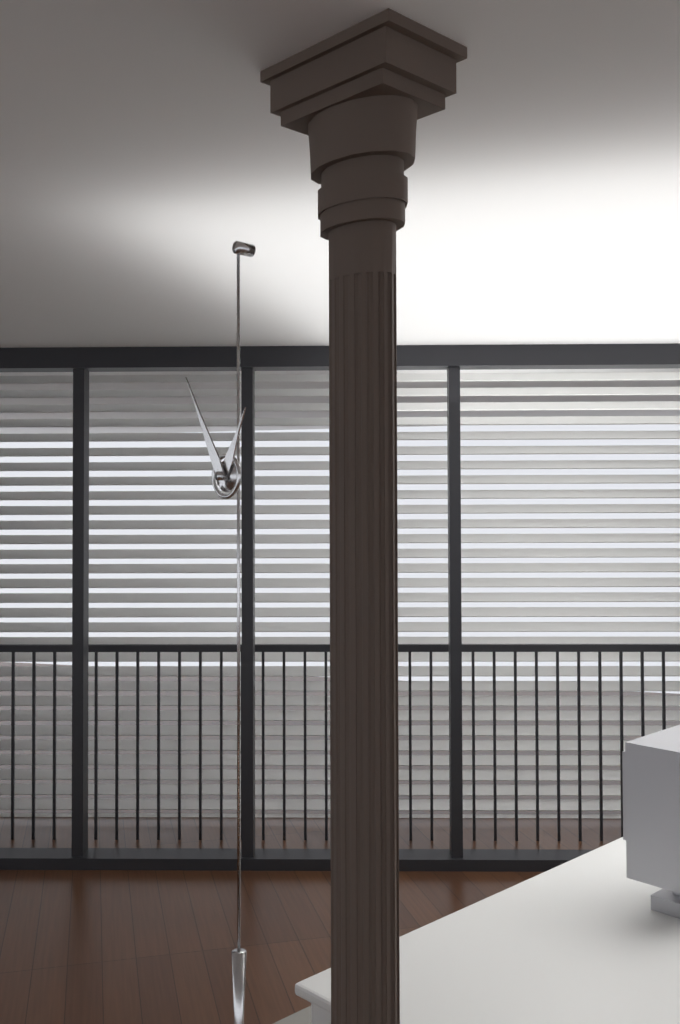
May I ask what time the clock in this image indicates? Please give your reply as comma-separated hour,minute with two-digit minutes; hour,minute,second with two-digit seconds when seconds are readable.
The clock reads 12,55
